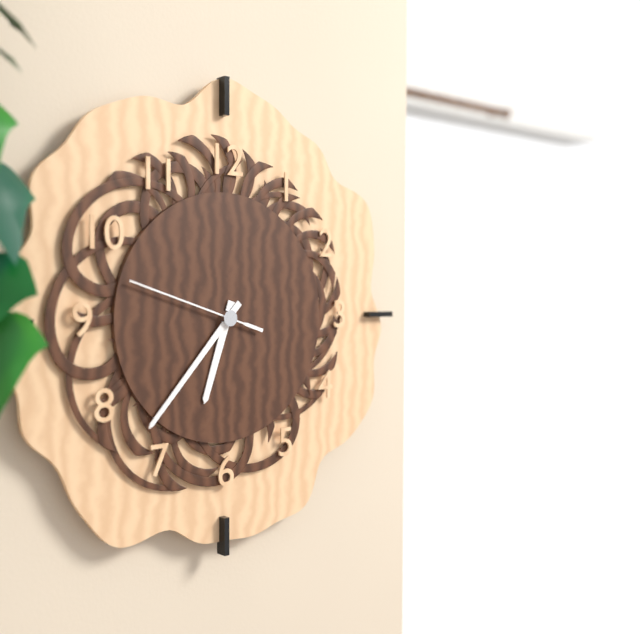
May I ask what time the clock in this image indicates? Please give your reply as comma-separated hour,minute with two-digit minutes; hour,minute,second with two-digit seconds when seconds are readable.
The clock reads 6,37,48
